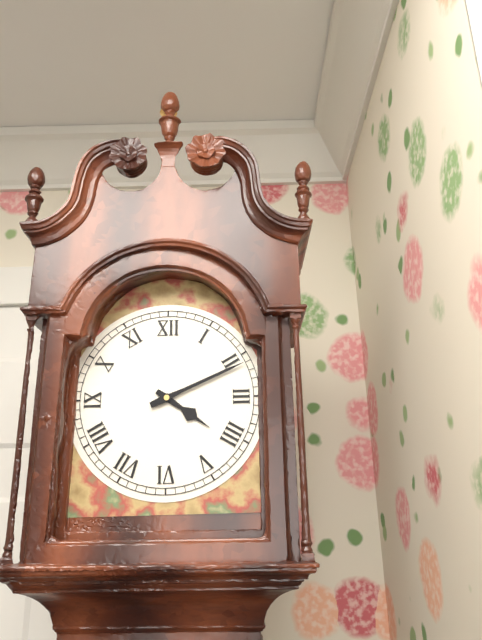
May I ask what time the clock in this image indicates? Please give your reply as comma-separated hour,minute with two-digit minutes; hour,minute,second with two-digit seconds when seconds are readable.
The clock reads 4,11
